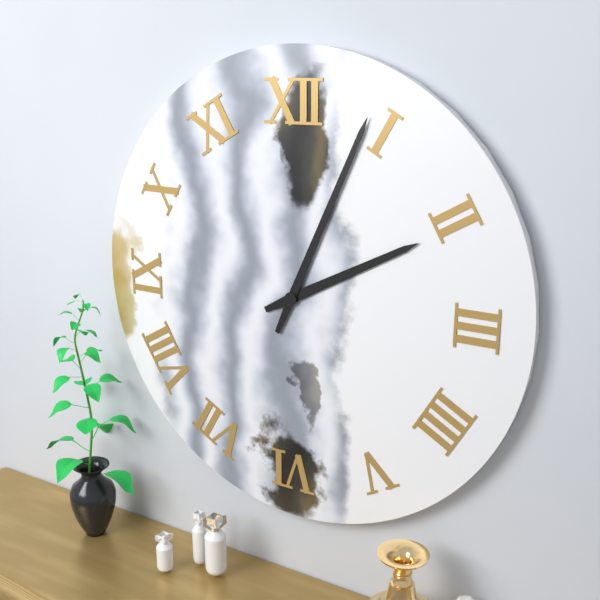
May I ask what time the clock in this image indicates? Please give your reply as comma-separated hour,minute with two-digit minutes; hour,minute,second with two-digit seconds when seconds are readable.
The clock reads 2,04
